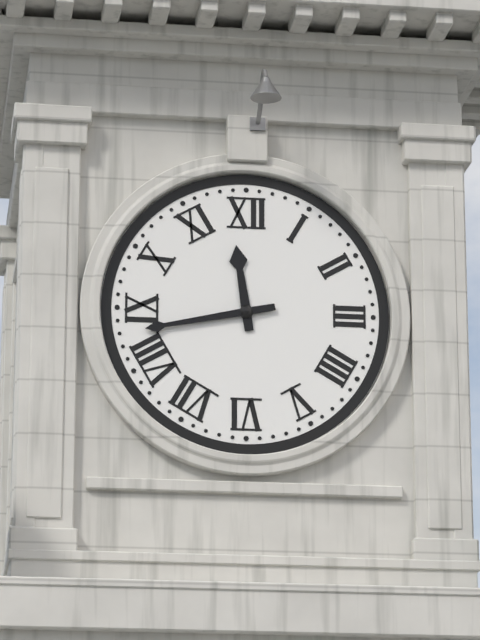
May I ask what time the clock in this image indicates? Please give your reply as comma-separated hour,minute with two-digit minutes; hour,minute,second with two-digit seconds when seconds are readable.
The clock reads 11,43
